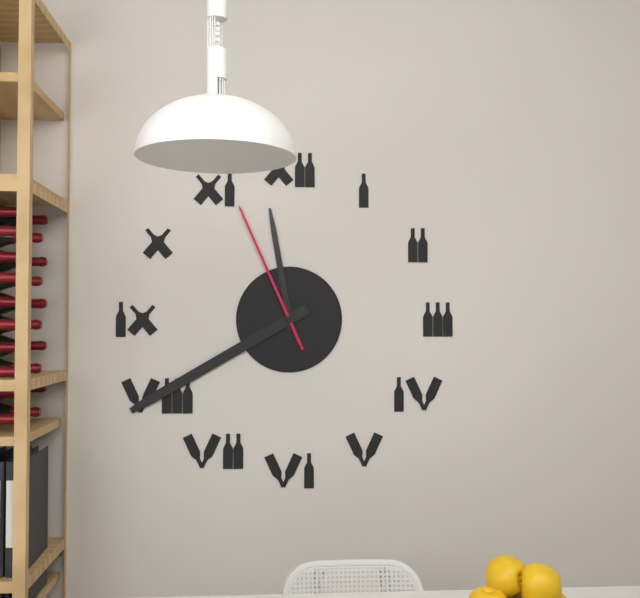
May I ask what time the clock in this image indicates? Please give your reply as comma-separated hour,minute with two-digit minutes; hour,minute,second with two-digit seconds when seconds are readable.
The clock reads 11,40,56
